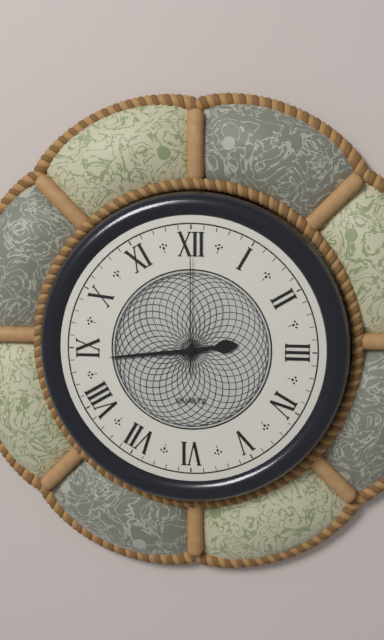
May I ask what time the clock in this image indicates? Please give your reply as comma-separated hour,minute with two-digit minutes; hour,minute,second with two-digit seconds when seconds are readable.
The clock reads 2,44,00
